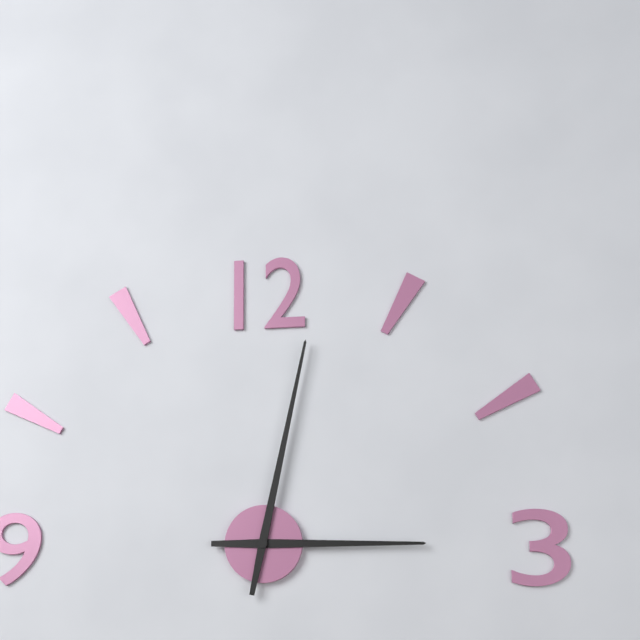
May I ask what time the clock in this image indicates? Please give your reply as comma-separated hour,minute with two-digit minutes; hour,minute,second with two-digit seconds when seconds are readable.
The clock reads 3,02
